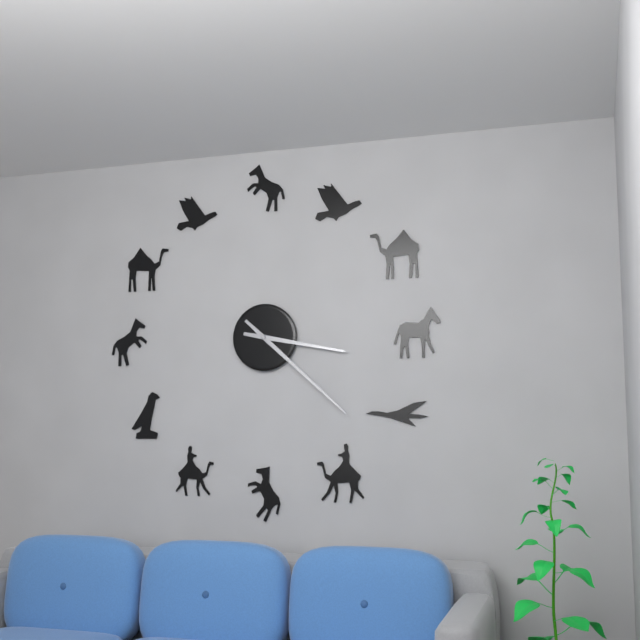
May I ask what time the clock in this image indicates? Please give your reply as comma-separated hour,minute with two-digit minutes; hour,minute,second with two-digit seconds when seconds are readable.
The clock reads 3,22
